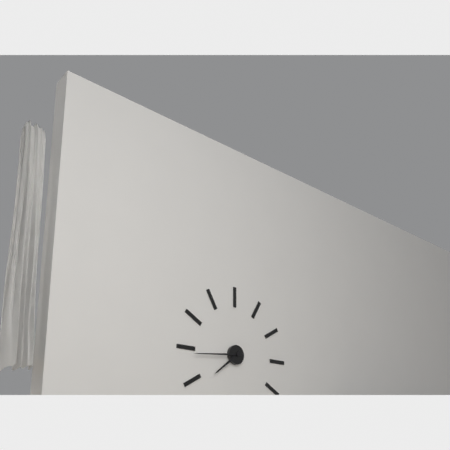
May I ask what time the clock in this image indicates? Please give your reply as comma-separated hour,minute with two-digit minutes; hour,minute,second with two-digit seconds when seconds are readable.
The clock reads 7,44
